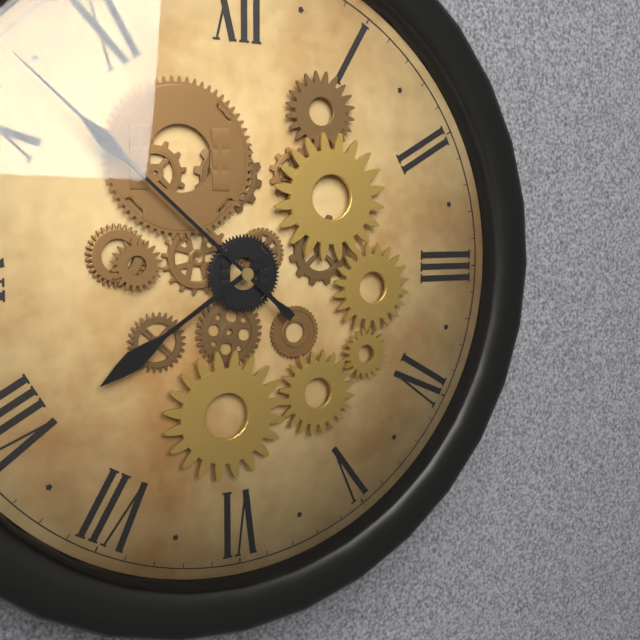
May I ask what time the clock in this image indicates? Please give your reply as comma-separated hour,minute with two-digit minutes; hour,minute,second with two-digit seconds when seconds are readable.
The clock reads 7,52
